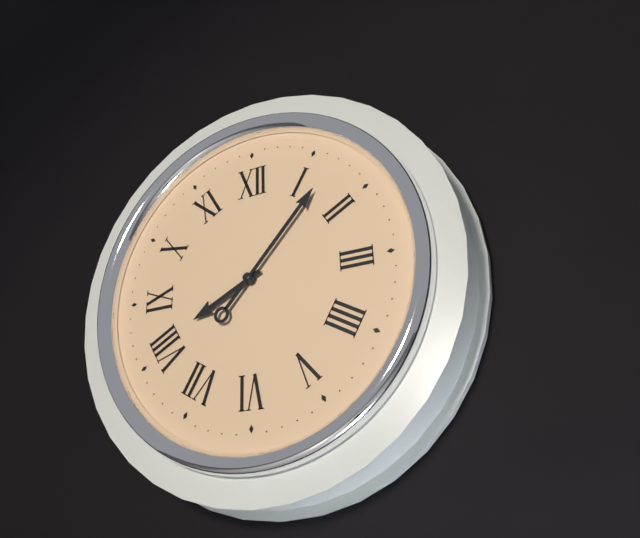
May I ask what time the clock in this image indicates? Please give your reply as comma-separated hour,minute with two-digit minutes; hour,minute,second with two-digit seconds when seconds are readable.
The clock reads 8,07
